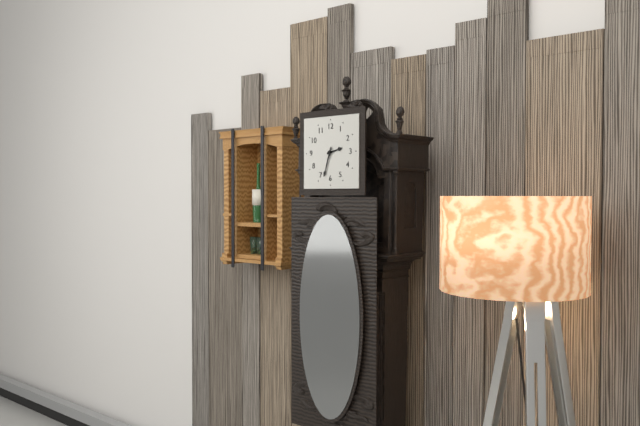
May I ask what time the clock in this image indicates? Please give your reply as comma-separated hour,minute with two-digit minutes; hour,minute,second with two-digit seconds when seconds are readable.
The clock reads 2,33
